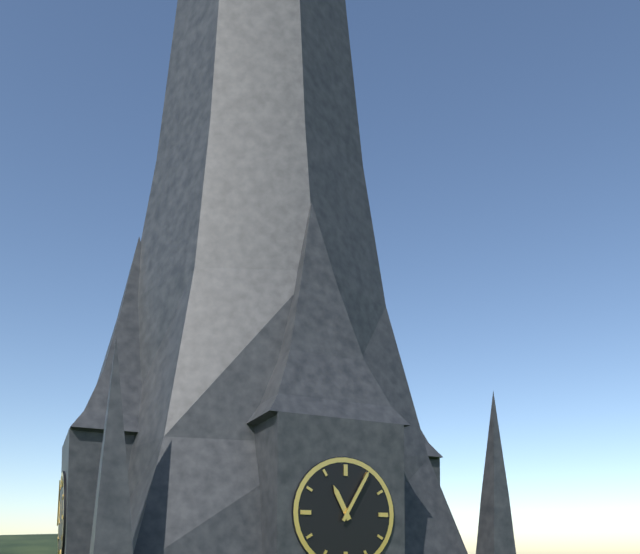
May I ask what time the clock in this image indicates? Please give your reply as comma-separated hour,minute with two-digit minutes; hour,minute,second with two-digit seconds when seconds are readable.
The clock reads 11,05
